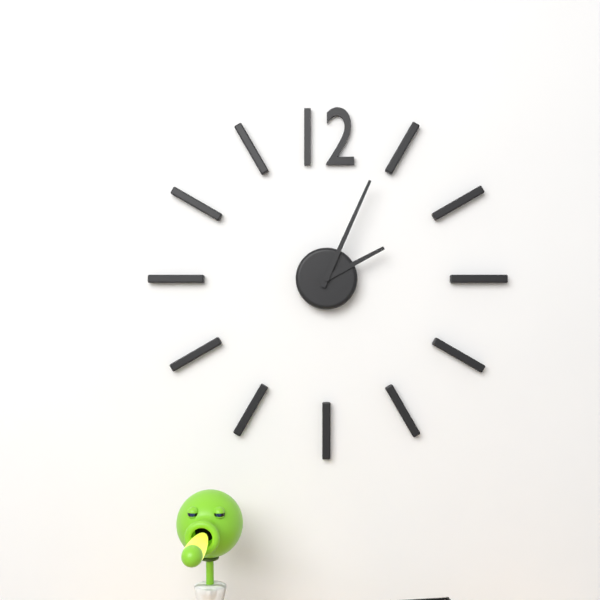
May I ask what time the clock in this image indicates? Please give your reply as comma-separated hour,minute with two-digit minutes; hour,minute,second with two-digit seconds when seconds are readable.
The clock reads 2,04
